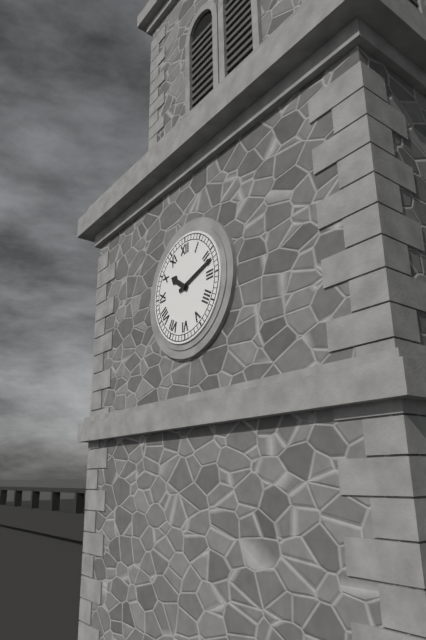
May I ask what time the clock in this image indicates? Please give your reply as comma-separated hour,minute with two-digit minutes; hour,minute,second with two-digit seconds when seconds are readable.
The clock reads 10,12
